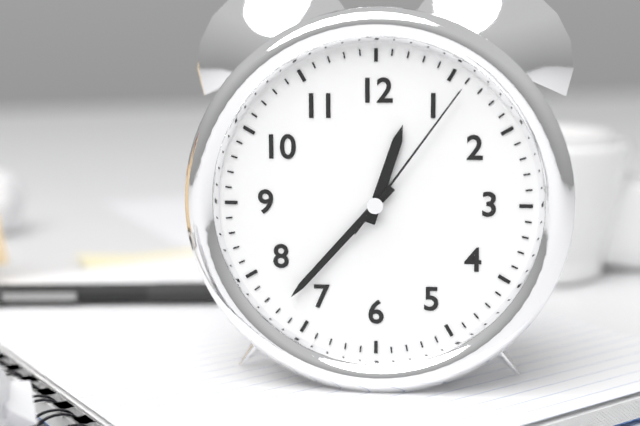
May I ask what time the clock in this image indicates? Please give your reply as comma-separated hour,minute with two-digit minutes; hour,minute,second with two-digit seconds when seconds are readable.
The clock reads 12,37,06
